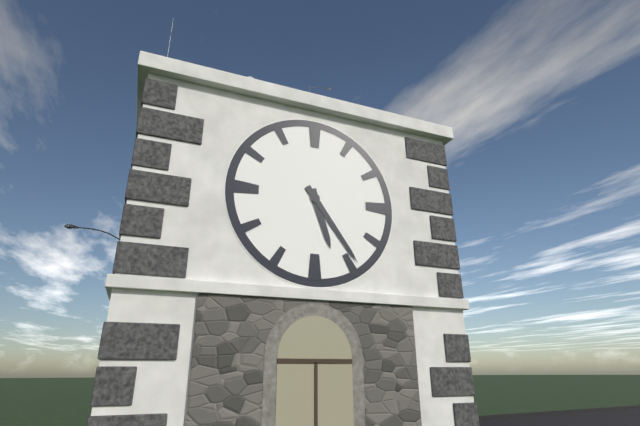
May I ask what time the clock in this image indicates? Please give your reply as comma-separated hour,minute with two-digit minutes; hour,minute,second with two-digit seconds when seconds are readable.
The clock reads 5,24
